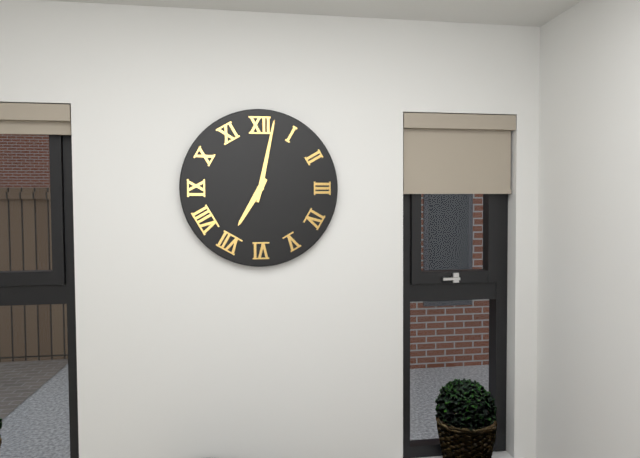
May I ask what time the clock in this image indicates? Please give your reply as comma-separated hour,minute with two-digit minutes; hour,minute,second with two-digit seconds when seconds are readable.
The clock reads 7,02
